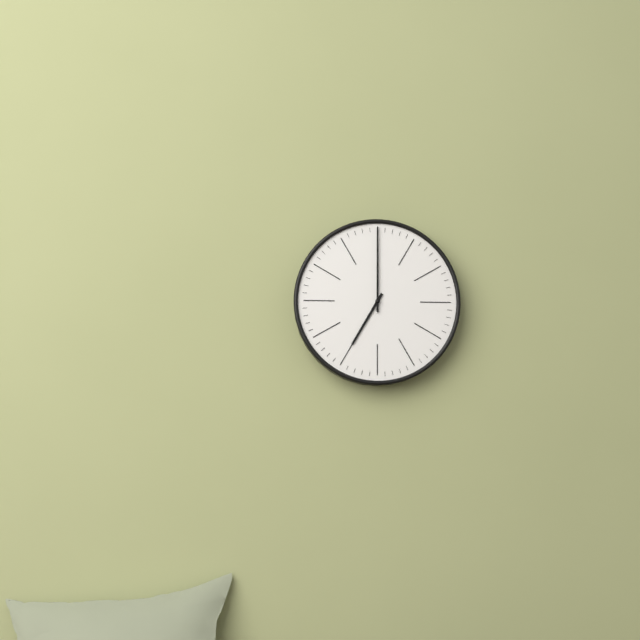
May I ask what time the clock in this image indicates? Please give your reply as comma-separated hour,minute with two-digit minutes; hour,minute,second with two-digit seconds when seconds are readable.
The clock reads 7,00
